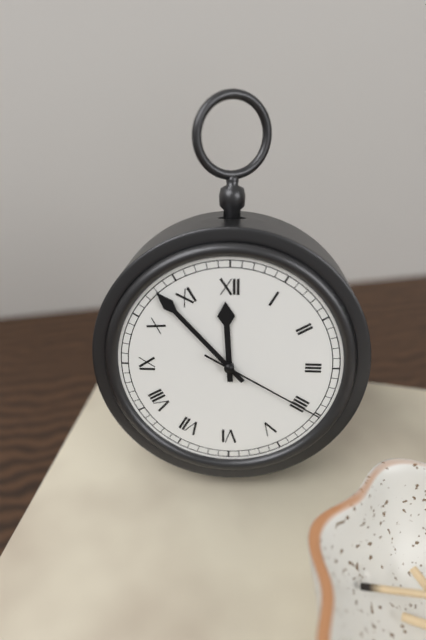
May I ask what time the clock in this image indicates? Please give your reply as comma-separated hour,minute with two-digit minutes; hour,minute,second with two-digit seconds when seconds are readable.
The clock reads 11,53,20
